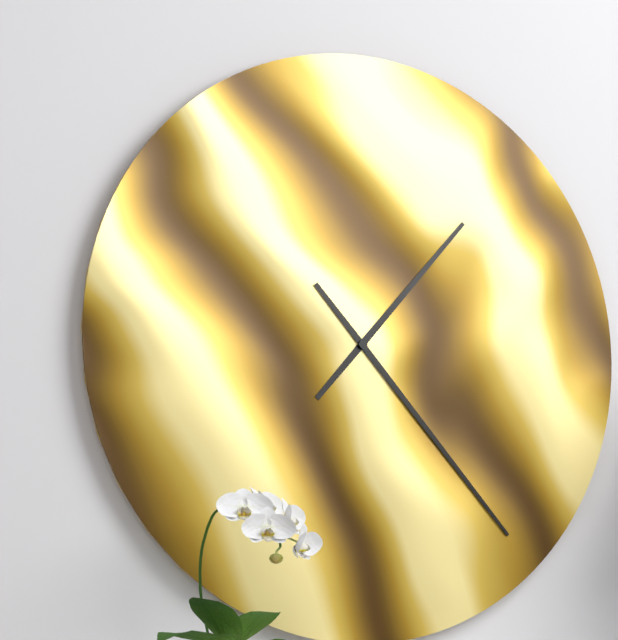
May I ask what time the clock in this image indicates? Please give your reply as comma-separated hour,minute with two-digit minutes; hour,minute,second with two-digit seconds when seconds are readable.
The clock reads 1,23
